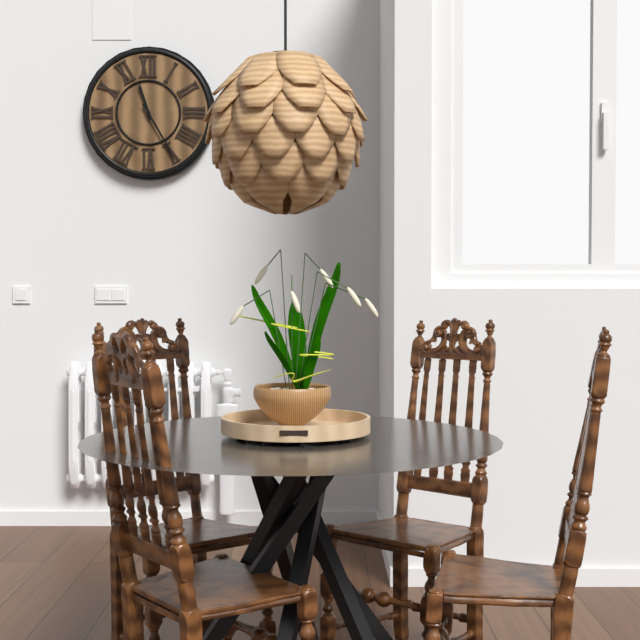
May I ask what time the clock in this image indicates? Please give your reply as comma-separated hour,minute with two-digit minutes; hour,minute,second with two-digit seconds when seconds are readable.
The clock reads 11,25
